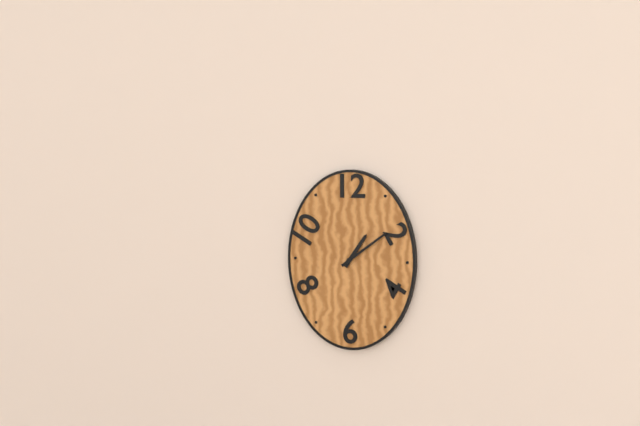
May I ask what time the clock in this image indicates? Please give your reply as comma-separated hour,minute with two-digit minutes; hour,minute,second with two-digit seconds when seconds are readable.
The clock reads 1,09
